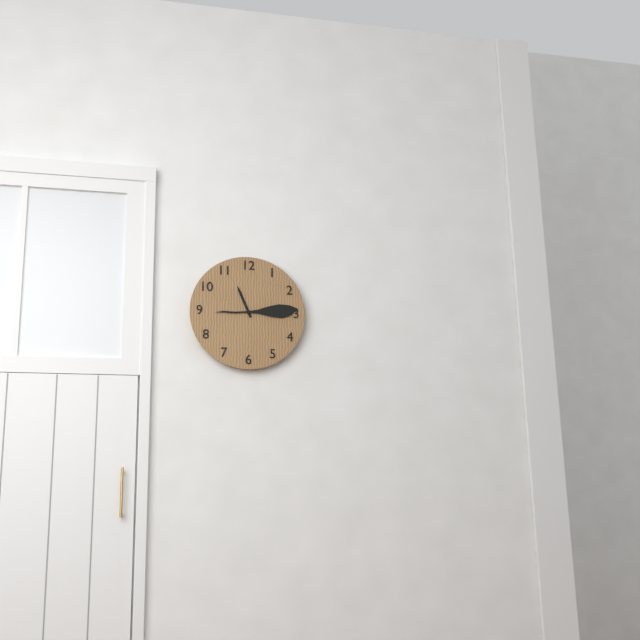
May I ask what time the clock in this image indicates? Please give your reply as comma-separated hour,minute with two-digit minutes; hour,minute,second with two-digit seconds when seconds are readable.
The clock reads 11,14
